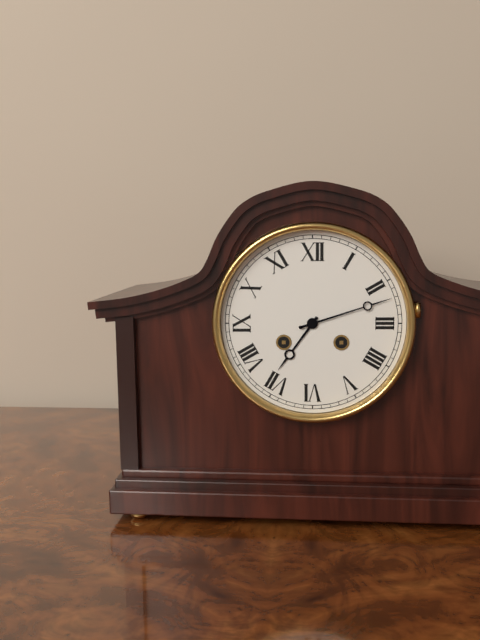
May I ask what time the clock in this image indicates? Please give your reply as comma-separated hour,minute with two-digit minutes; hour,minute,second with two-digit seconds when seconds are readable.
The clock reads 7,12
